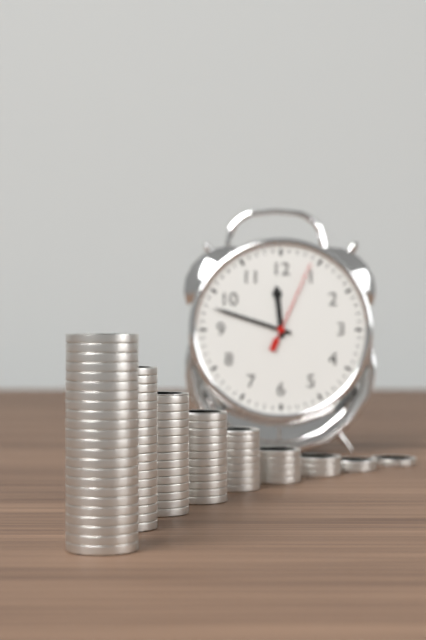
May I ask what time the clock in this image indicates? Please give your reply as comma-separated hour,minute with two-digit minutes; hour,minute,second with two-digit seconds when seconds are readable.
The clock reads 11,48,04
